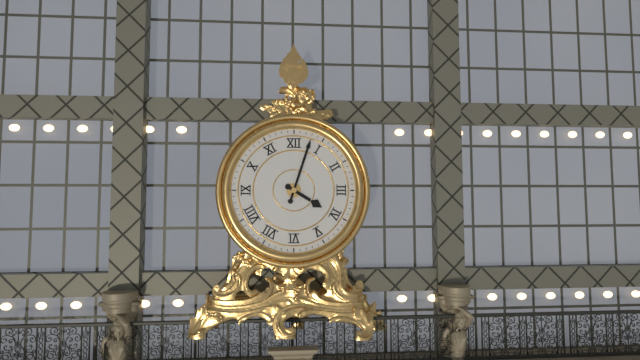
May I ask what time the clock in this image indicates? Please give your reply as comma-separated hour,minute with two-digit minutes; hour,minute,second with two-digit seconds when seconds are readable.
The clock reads 4,03
